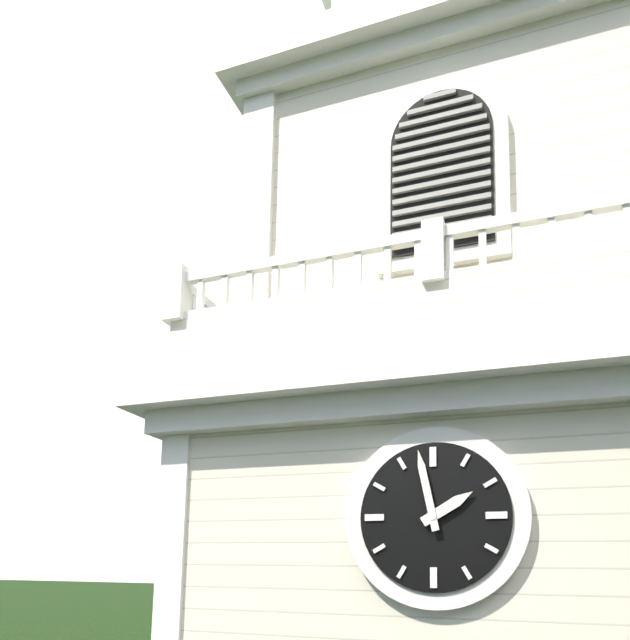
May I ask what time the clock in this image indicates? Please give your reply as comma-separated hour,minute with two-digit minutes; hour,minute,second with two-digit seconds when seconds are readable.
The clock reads 1,58
